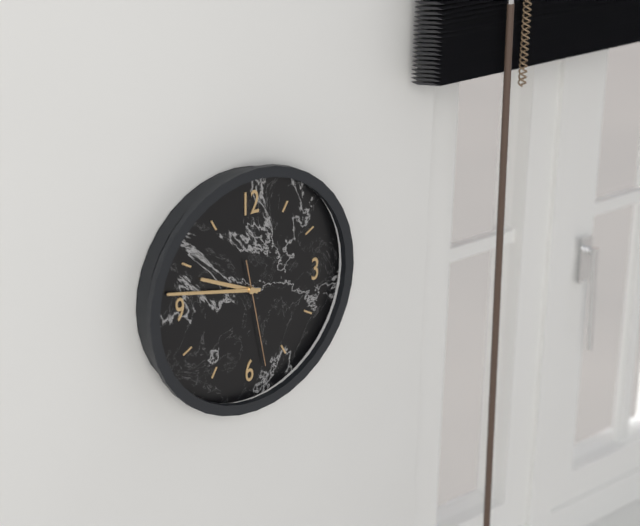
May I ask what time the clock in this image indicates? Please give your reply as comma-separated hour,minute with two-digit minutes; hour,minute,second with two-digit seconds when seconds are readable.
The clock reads 9,47,28
